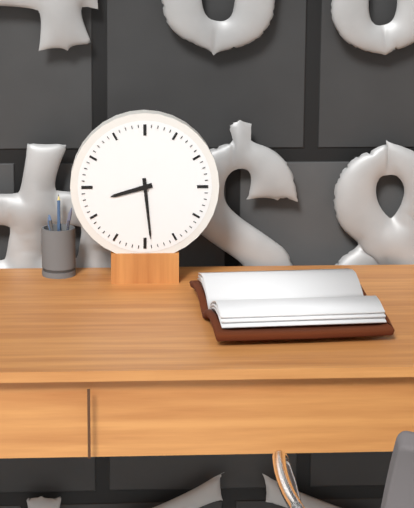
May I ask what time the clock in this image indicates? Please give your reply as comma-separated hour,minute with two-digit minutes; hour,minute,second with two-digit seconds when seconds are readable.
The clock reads 8,29
